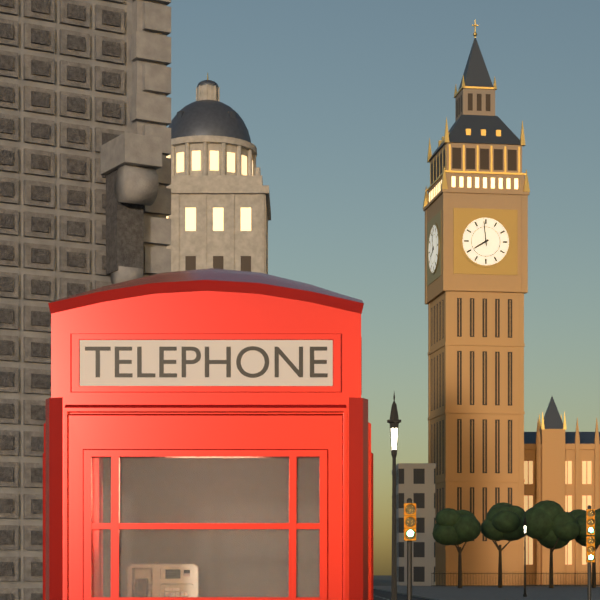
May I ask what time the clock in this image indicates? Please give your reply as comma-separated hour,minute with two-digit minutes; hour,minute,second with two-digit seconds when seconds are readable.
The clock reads 7,59
